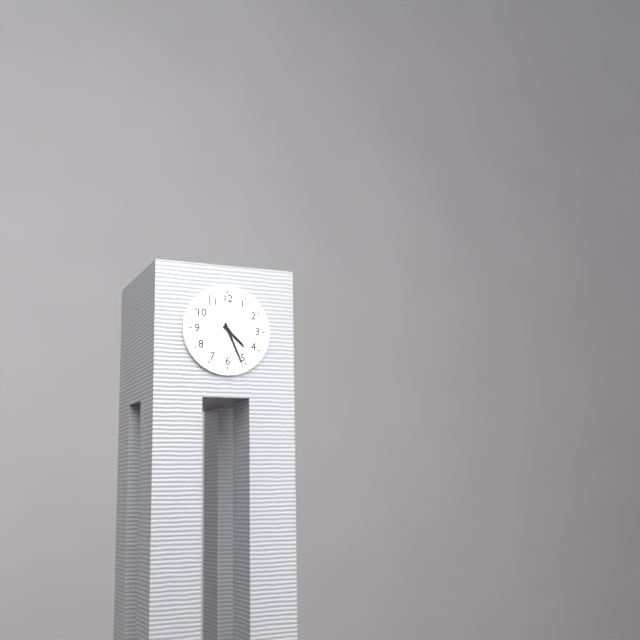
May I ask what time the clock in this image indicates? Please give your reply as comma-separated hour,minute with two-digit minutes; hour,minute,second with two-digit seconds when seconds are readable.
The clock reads 4,26
